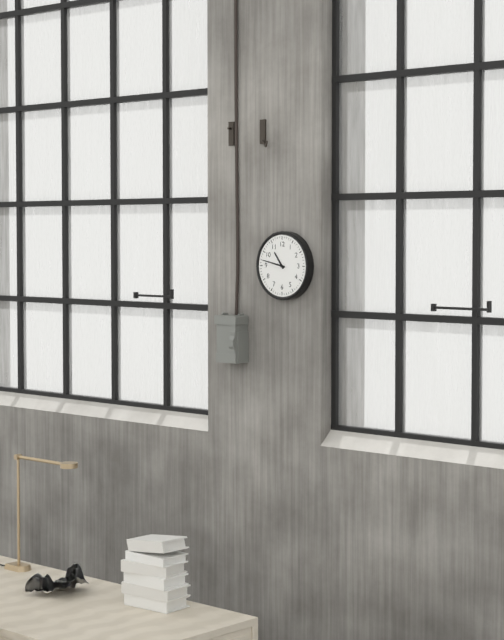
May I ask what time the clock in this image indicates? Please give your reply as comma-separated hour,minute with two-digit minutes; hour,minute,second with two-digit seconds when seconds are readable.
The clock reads 10,47
